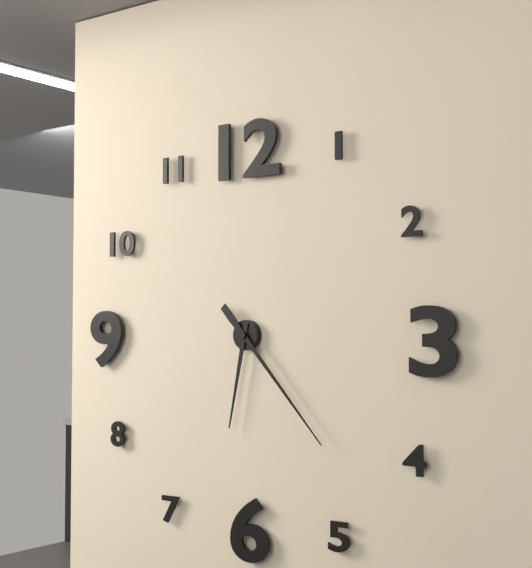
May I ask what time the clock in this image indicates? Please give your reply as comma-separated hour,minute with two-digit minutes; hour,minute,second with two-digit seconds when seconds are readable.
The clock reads 6,23
